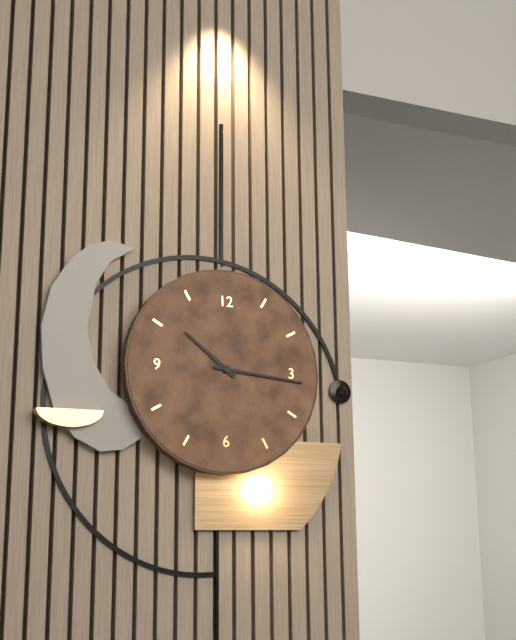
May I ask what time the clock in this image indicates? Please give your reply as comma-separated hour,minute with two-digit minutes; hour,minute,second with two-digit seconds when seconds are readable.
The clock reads 10,16
